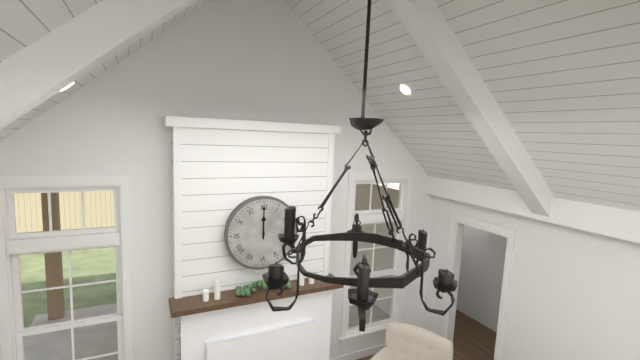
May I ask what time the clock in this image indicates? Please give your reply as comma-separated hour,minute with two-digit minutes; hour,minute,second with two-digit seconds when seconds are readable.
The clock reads 12,00
